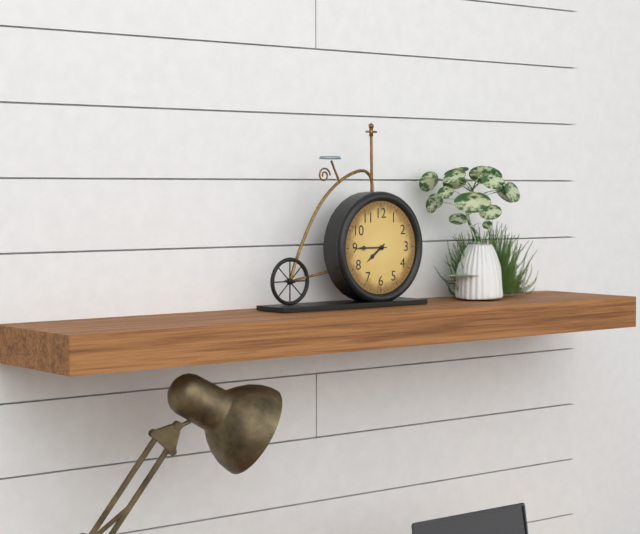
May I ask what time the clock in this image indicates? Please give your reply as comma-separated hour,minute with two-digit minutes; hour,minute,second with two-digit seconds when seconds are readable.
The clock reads 7,45
